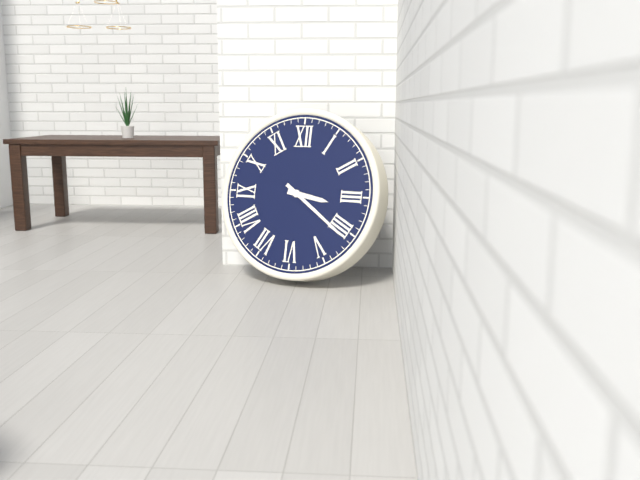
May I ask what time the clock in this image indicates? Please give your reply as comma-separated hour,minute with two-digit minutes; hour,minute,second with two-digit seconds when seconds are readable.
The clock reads 3,21
